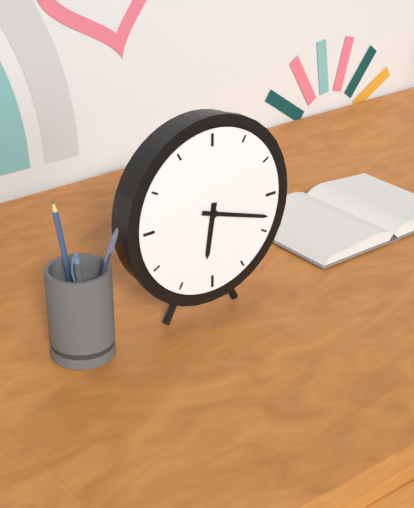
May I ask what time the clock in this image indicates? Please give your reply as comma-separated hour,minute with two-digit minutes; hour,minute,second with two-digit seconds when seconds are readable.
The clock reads 6,18
